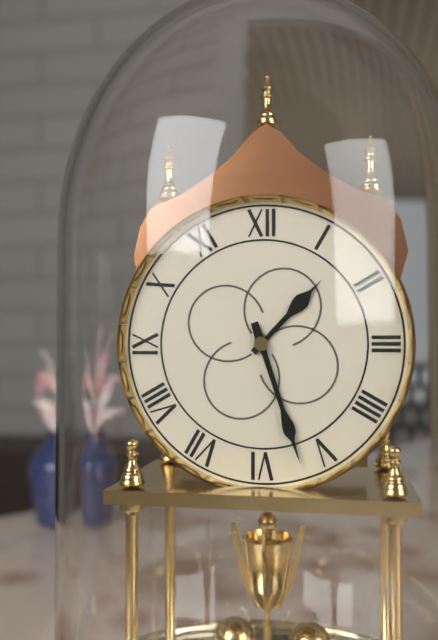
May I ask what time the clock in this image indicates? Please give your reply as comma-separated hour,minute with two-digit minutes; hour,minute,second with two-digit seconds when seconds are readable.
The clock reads 1,27
